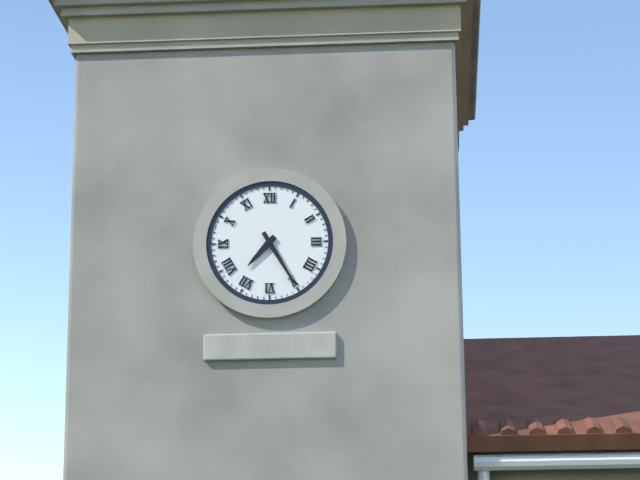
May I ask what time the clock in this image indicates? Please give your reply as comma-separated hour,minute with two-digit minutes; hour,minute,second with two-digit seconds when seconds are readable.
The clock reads 7,25
